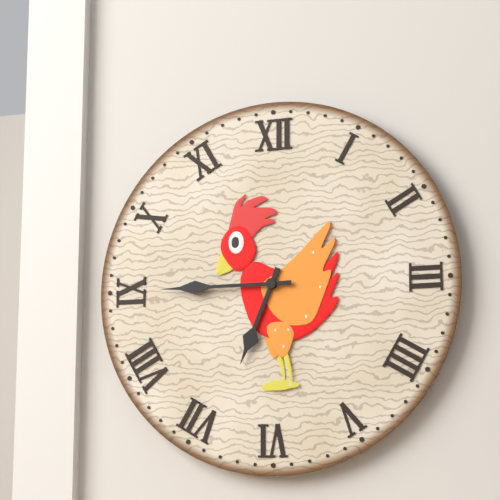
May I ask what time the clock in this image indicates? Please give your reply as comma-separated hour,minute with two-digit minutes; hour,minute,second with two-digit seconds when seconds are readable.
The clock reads 6,45
